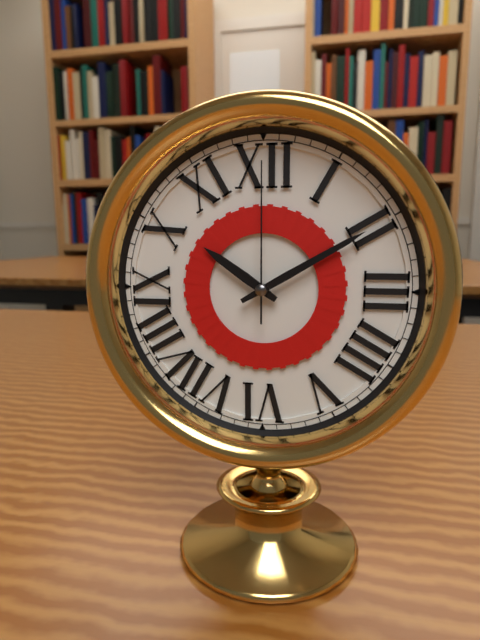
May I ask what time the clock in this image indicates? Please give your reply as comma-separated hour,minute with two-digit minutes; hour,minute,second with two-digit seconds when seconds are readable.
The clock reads 10,10,00
